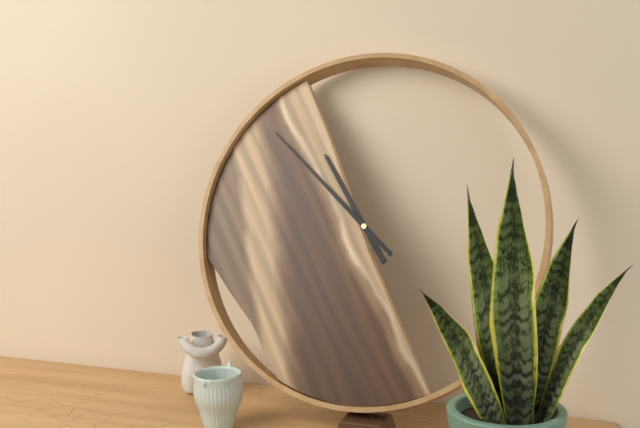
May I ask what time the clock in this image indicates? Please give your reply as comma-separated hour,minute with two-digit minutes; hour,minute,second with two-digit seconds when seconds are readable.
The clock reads 10,52
